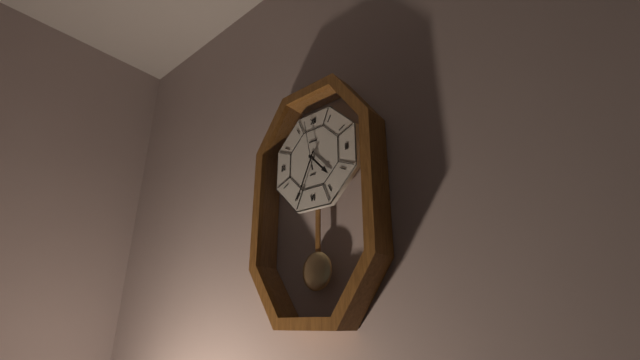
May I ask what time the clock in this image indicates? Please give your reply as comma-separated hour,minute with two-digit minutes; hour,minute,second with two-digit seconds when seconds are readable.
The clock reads 4,34,58
